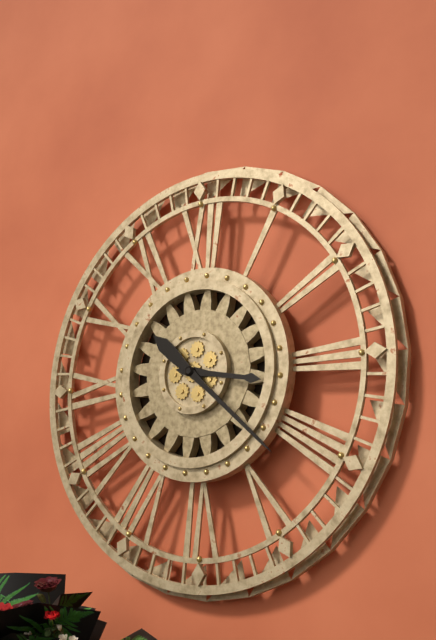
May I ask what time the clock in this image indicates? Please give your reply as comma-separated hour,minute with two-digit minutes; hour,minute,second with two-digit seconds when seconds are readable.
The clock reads 3,22
